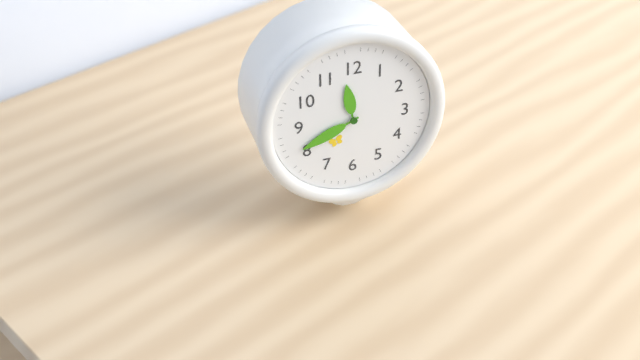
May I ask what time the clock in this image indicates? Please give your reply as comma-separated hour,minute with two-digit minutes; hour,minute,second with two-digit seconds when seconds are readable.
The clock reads 11,41
